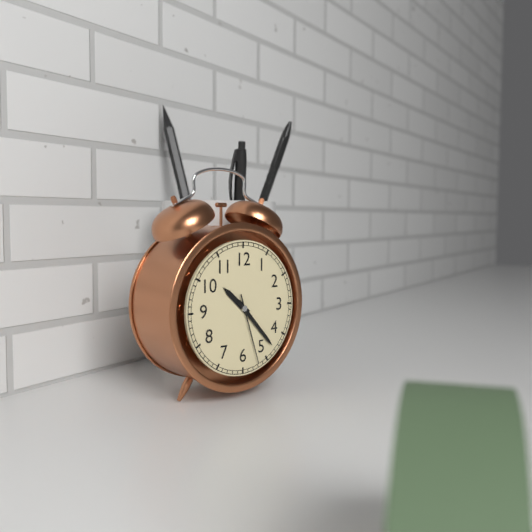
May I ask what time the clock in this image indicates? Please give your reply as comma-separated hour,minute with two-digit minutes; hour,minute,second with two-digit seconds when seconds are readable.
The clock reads 10,23,27
